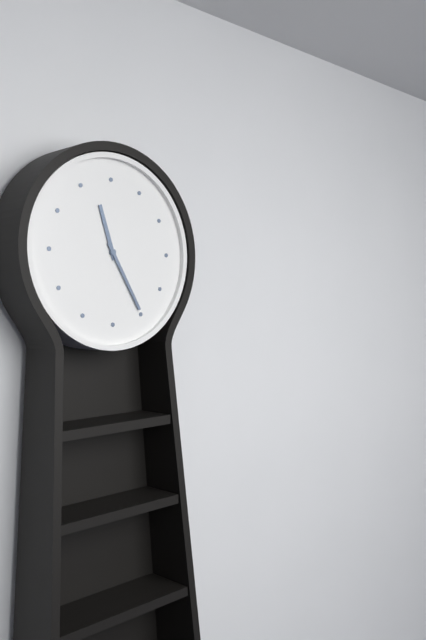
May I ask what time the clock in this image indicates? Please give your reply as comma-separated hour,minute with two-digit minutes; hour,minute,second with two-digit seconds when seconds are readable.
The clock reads 11,25
